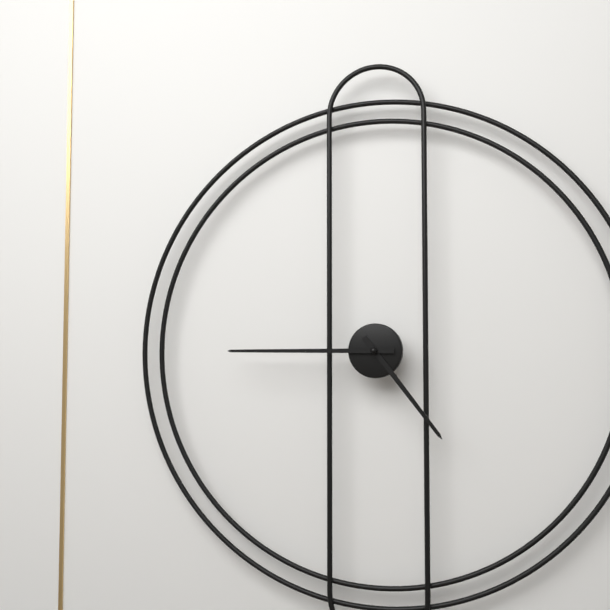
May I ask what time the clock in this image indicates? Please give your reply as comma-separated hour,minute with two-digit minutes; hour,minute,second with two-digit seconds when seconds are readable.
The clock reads 4,45
